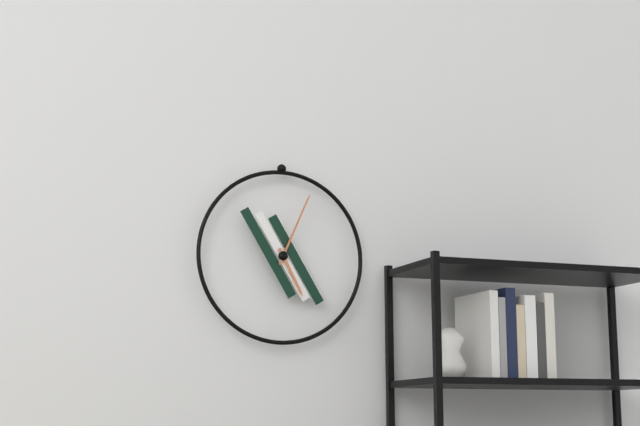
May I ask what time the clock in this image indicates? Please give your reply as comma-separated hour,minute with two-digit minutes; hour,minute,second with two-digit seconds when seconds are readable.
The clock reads 5,04
